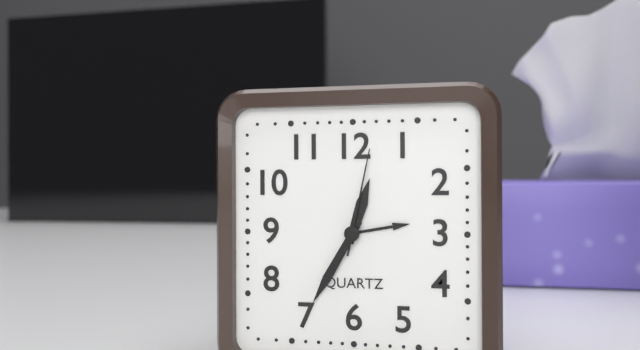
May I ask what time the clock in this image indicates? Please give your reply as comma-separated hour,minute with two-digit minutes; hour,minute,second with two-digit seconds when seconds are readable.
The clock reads 12,35,02
